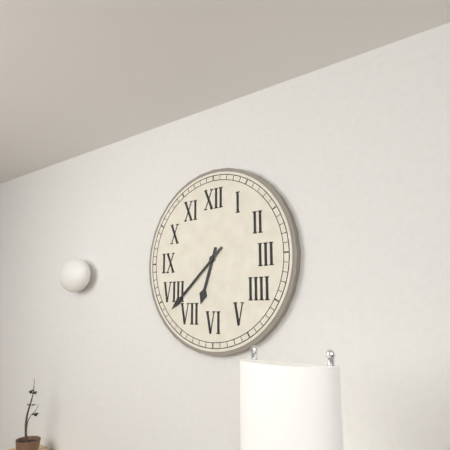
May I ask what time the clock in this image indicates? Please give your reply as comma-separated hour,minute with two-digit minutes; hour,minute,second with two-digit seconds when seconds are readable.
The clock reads 6,38
